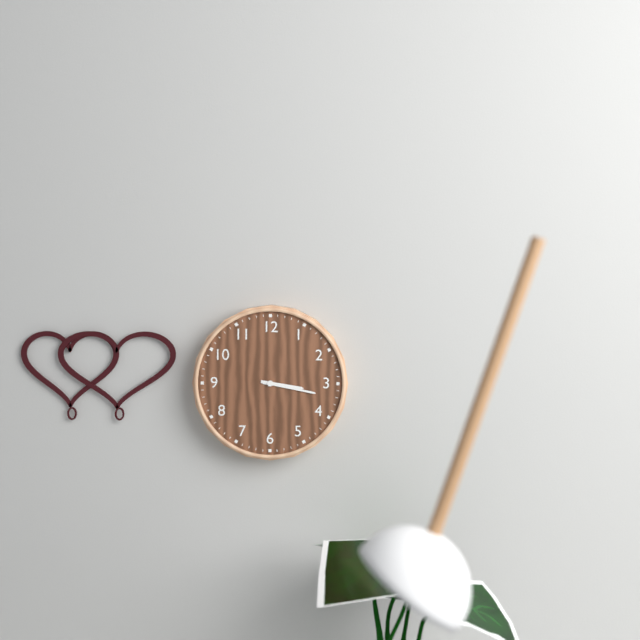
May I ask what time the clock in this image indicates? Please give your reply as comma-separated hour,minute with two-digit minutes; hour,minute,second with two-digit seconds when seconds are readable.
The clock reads 3,17
